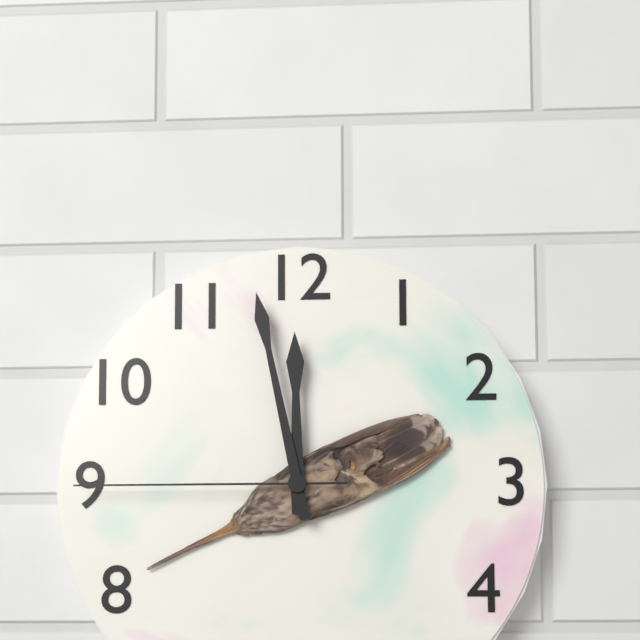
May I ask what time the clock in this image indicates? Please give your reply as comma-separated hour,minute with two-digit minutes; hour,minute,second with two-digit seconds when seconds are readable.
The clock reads 11,58,45
